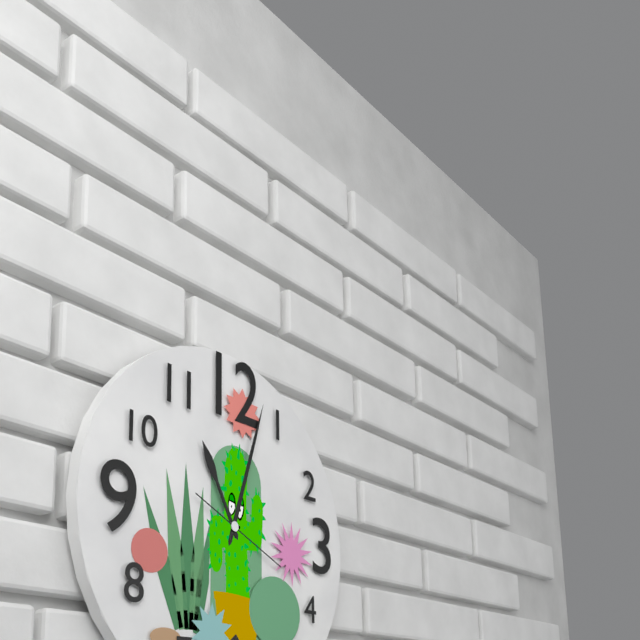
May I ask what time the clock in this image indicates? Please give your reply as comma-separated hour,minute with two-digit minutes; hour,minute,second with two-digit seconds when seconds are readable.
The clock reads 11,03,19
